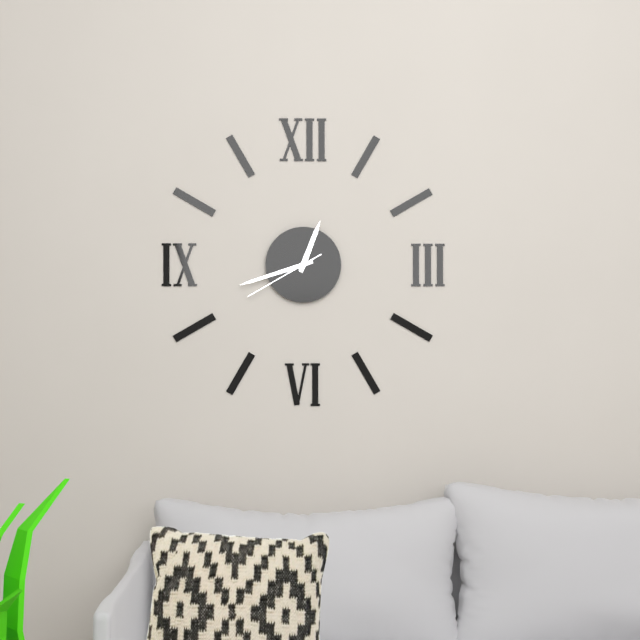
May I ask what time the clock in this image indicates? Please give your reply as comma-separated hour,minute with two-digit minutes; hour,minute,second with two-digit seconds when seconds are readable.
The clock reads 12,42,40
